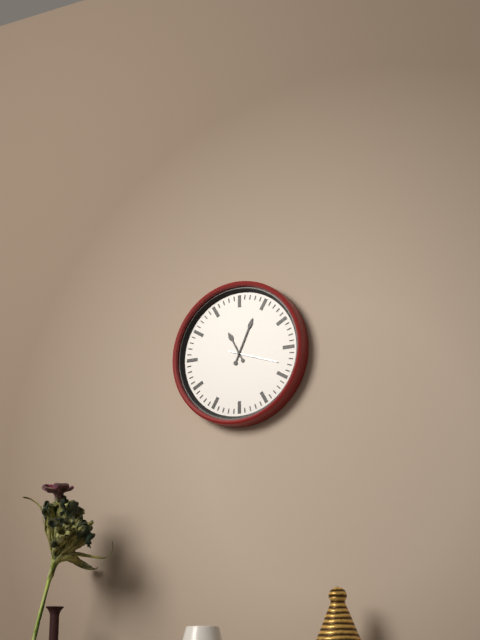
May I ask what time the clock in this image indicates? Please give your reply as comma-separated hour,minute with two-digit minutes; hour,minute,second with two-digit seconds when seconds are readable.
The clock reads 11,04
